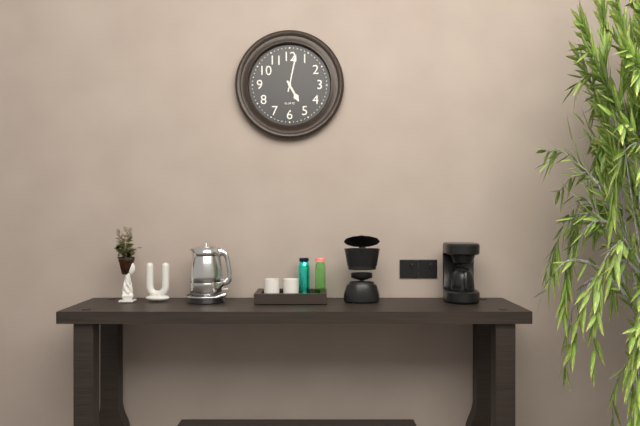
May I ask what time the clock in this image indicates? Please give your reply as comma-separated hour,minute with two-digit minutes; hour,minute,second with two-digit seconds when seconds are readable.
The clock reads 5,02
